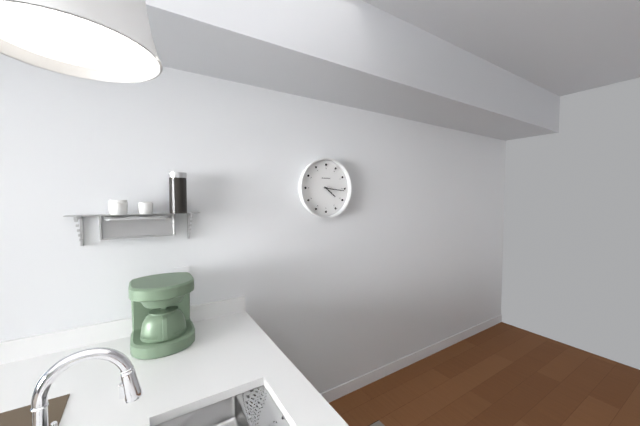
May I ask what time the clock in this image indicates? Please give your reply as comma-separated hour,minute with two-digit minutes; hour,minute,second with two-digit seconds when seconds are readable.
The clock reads 4,16
